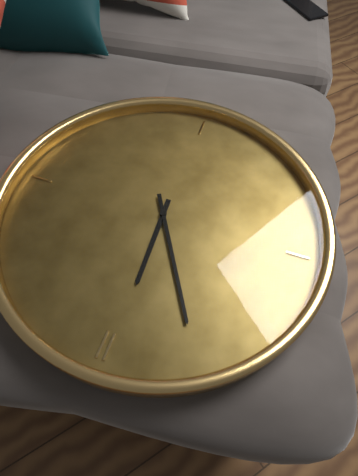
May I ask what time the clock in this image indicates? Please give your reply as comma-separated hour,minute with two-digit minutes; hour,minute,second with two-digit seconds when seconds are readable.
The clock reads 11,55
